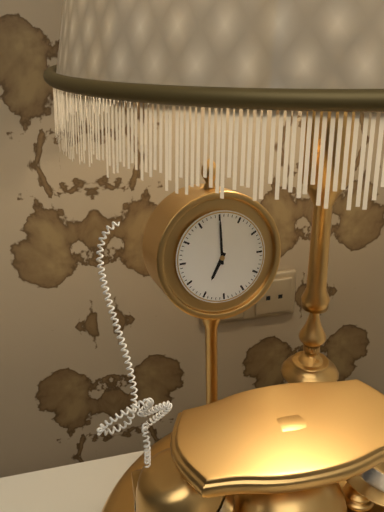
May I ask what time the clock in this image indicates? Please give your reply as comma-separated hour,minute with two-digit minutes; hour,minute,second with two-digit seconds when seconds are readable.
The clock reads 7,00
